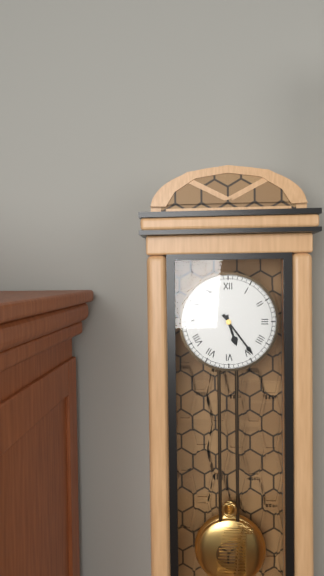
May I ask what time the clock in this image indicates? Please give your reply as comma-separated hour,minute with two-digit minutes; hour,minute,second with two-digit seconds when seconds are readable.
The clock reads 5,24
